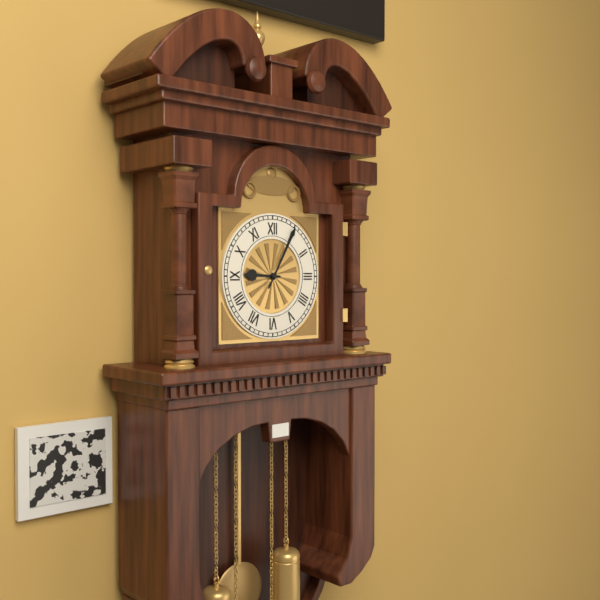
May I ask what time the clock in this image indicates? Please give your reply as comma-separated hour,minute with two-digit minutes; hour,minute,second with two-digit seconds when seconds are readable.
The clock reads 9,05
